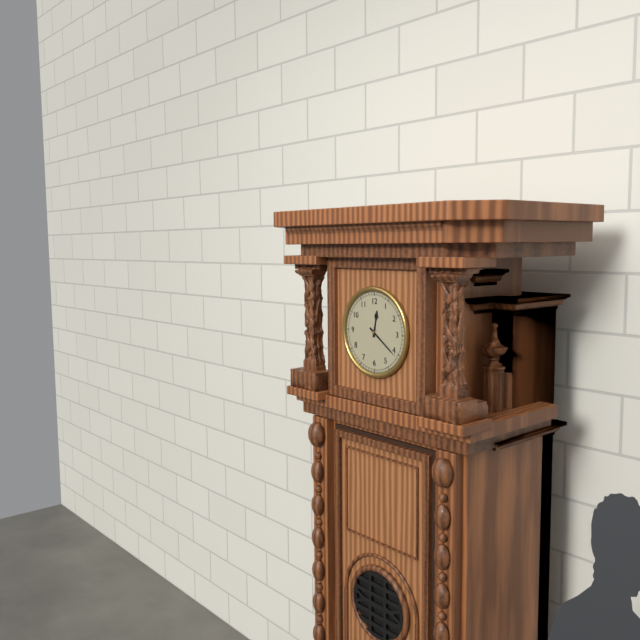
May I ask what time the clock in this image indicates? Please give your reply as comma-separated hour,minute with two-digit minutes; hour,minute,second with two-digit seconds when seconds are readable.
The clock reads 12,21
